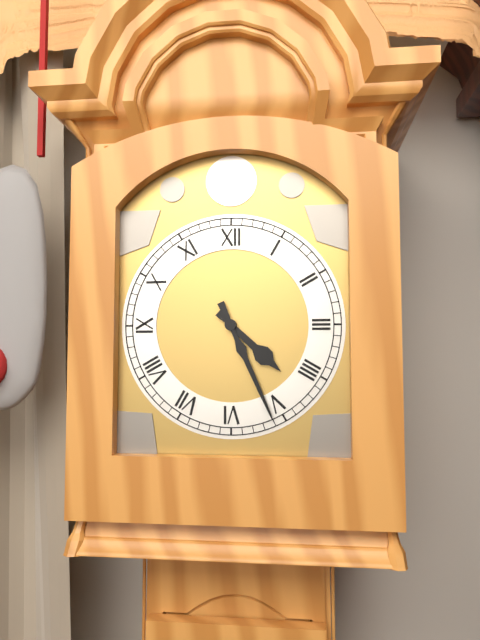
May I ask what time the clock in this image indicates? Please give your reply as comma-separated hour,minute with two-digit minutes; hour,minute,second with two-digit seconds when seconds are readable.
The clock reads 4,26
